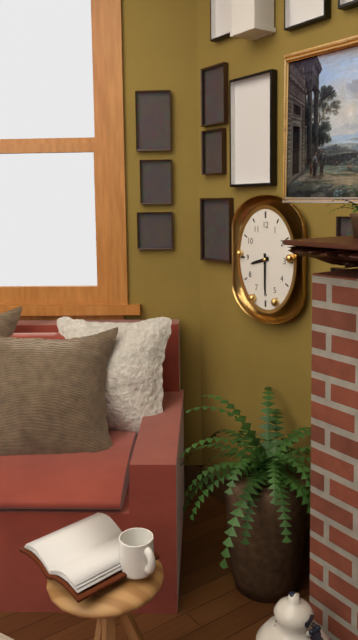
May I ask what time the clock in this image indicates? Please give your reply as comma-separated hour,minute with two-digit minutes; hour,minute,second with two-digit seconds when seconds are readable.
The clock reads 8,30
